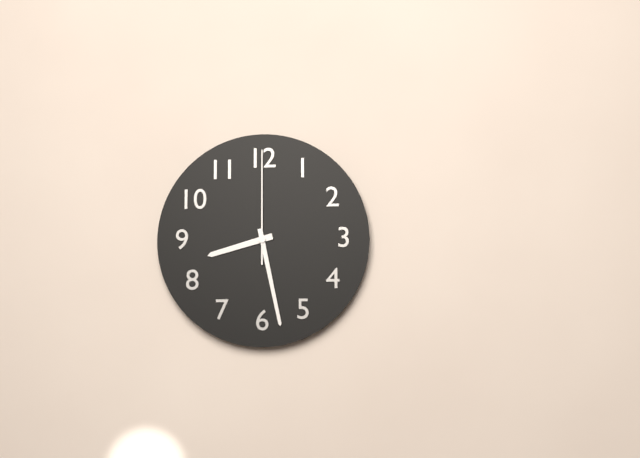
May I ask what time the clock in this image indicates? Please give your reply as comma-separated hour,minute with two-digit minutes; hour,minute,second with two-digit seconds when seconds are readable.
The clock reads 8,28,00
